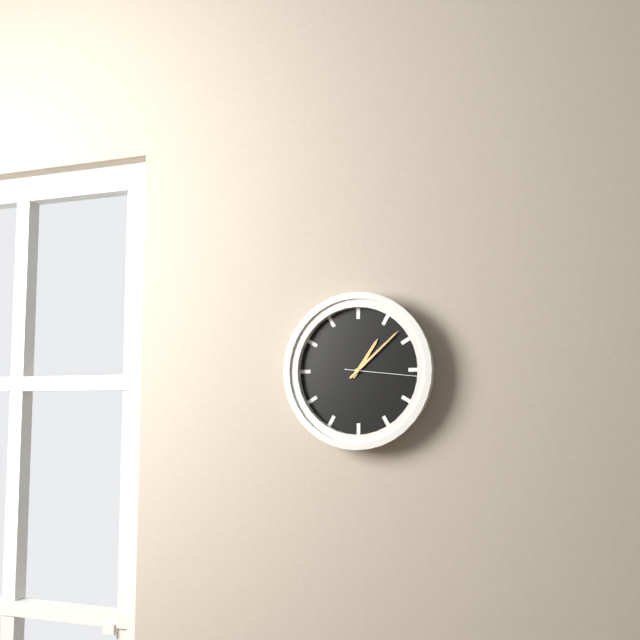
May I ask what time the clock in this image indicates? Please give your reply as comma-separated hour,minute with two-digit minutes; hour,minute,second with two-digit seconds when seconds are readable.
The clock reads 1,08,16
